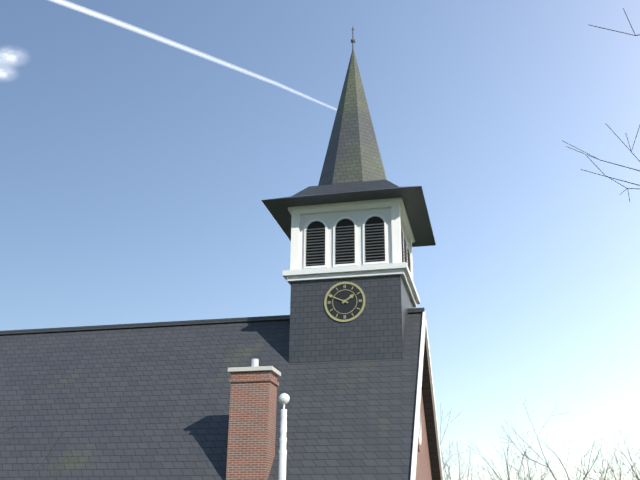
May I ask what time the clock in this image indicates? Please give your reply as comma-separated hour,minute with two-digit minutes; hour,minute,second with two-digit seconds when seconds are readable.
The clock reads 1,49
